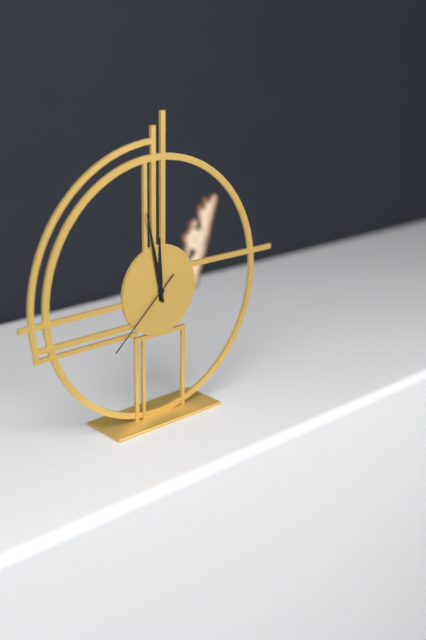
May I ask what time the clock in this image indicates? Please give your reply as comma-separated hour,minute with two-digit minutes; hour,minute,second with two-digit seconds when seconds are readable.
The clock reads 11,58,38
